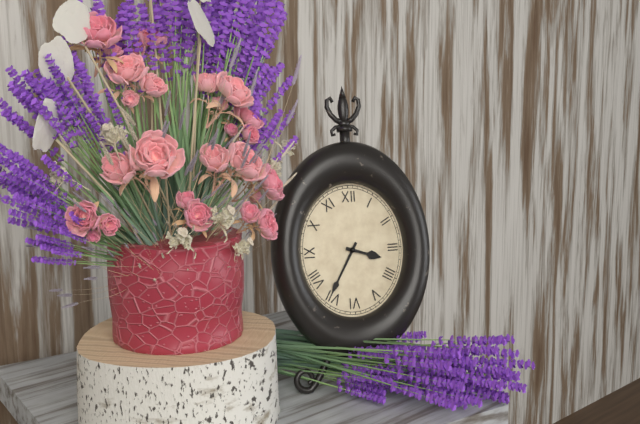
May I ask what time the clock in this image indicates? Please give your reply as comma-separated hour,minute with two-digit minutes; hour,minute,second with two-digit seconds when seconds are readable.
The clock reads 3,35
